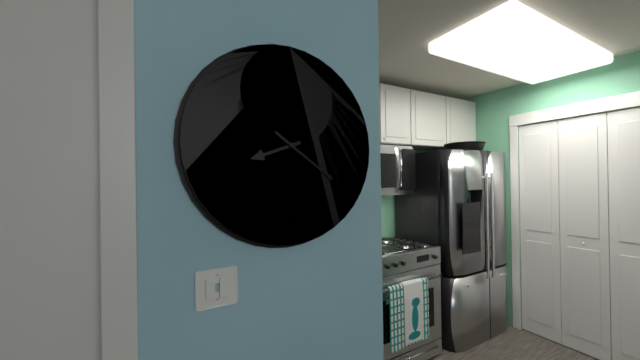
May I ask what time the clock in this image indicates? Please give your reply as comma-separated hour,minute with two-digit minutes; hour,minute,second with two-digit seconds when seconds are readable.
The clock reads 8,21
